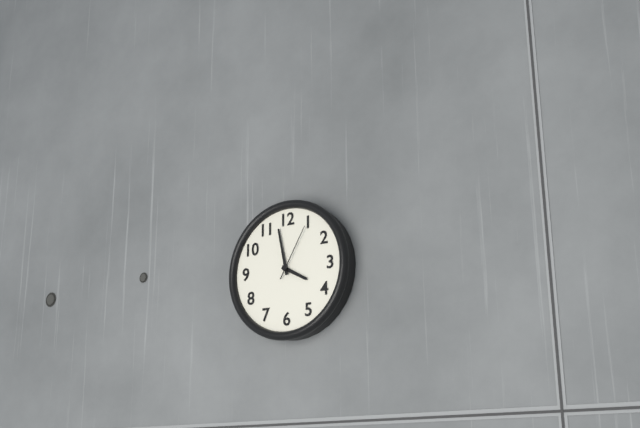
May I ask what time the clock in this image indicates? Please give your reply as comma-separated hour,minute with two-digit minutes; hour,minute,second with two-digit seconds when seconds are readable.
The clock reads 3,58,05
